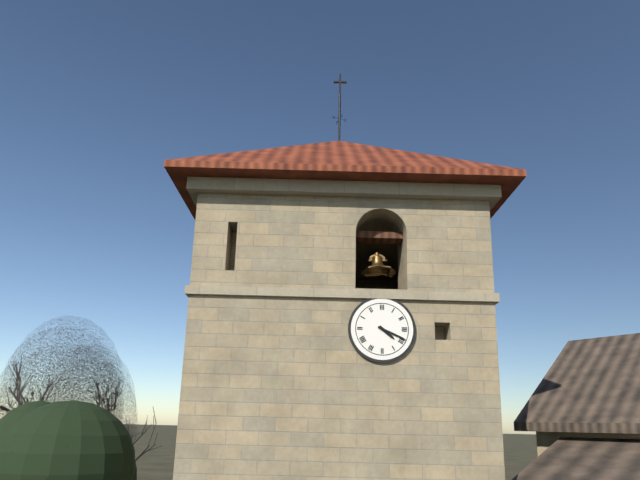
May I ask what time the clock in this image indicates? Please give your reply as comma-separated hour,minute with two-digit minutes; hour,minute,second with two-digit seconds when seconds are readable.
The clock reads 4,19
